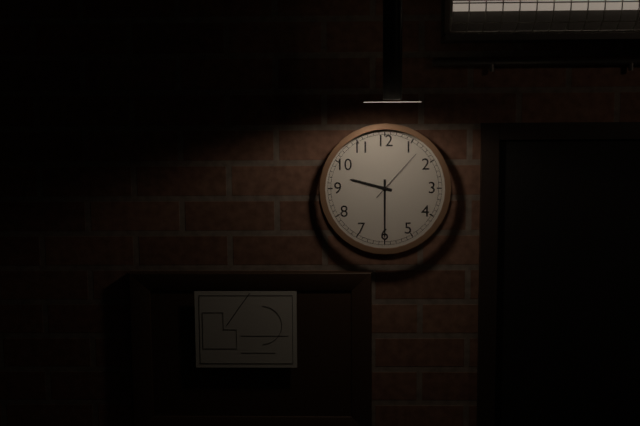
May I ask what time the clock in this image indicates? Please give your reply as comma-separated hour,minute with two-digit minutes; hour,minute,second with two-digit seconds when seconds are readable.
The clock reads 9,30,07
